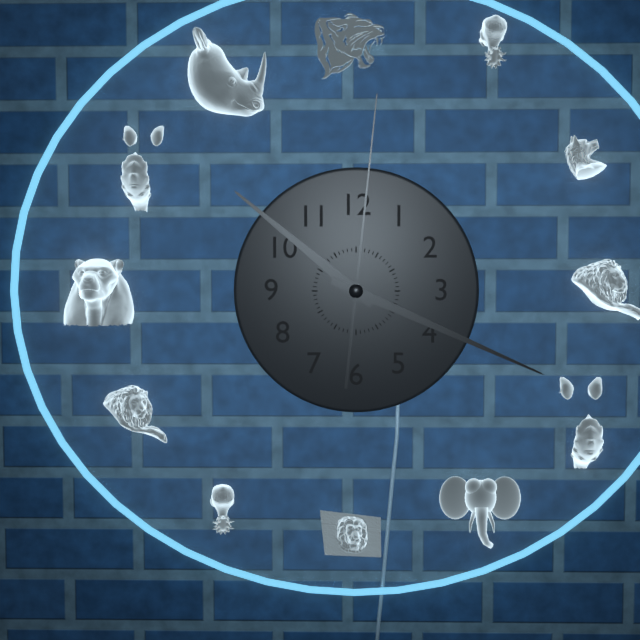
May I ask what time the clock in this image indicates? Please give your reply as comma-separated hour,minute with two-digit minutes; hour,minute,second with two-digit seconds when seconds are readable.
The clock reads 10,19,01
